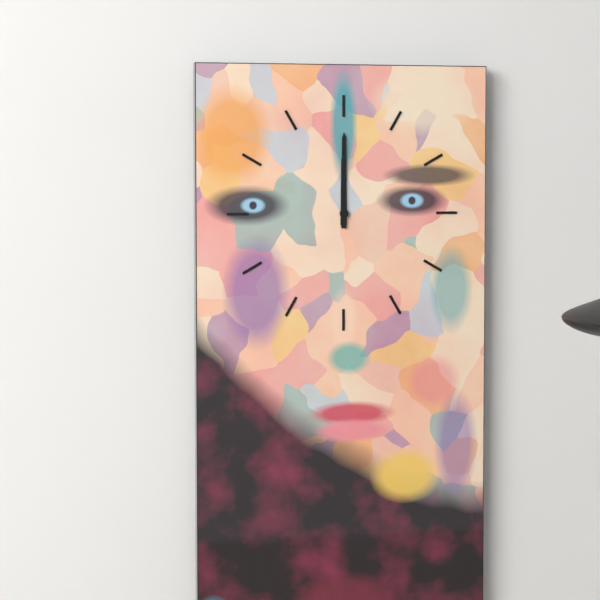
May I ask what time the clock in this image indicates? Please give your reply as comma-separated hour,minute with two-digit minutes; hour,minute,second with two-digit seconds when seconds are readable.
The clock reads 12,00
